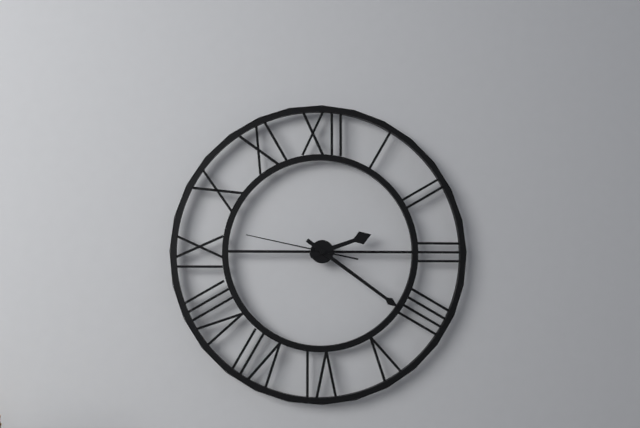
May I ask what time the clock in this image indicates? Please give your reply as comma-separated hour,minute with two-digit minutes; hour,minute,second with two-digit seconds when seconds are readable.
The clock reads 2,21,47
